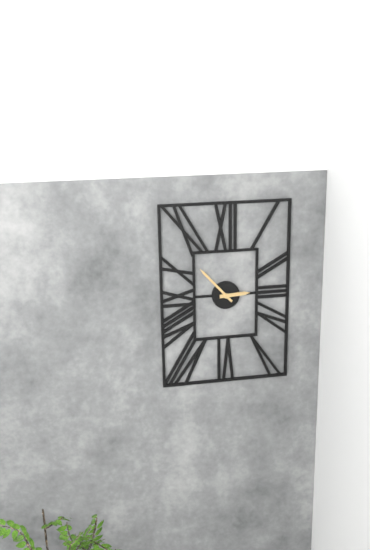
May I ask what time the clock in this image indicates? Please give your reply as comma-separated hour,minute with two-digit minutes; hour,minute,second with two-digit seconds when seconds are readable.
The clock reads 2,53
